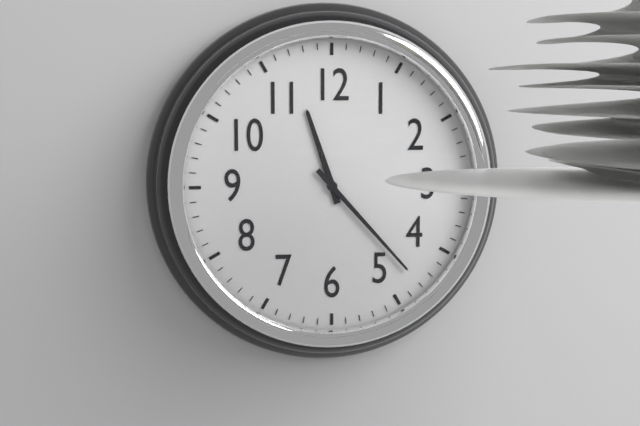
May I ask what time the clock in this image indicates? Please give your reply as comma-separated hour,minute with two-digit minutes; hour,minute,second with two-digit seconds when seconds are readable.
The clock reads 11,23
